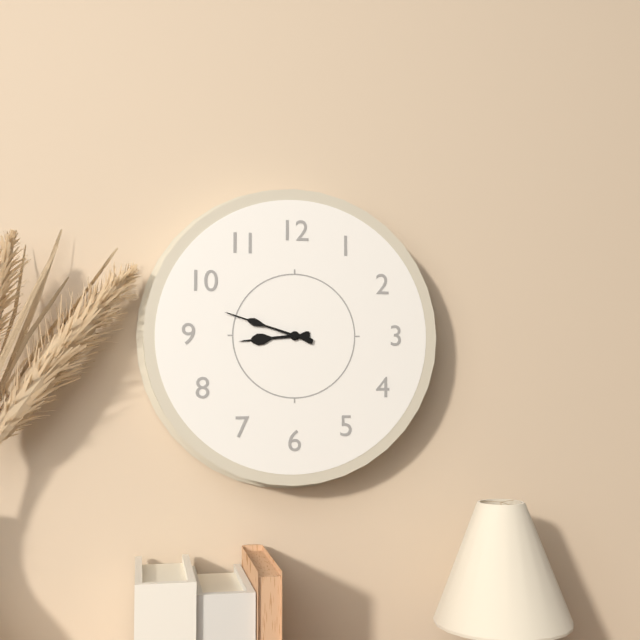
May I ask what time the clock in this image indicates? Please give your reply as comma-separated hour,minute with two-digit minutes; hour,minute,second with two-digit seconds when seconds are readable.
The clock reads 8,48
